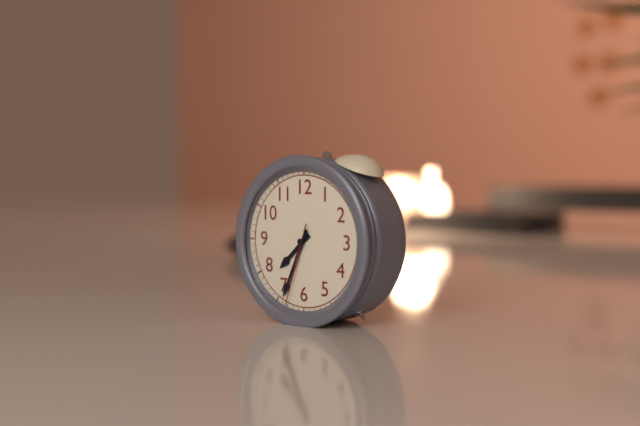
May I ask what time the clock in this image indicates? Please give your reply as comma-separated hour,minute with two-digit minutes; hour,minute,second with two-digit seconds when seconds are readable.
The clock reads 7,34,33
